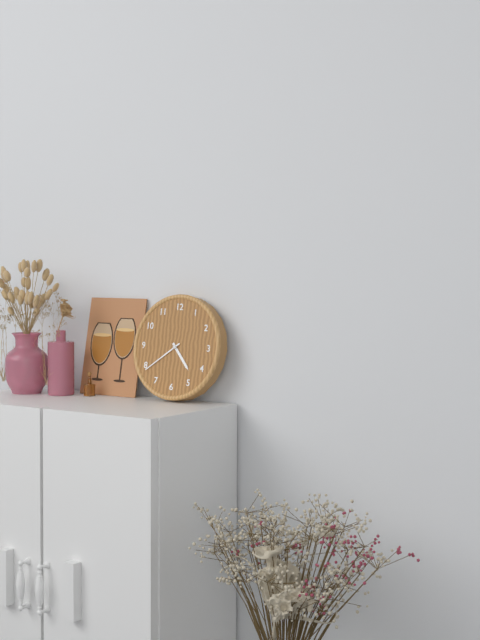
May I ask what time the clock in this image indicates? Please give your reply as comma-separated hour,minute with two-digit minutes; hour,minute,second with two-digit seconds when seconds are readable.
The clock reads 4,39
